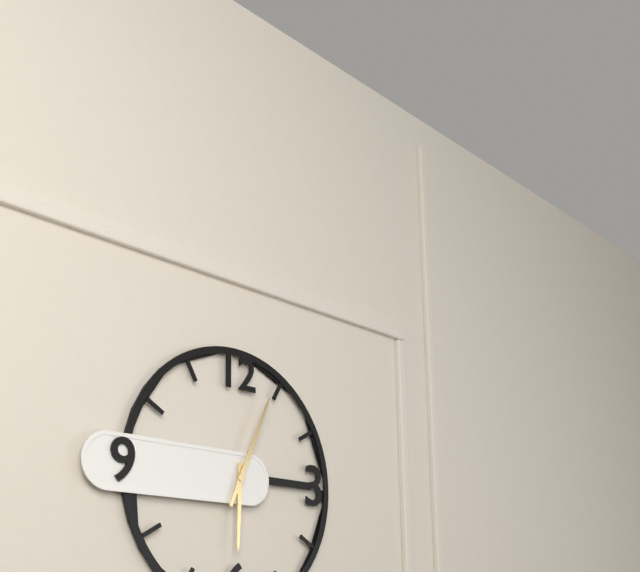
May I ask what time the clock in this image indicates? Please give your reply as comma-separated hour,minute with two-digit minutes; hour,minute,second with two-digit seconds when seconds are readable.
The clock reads 6,04
